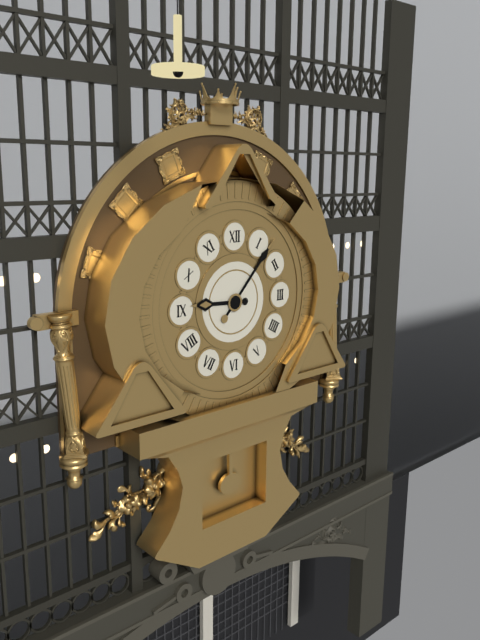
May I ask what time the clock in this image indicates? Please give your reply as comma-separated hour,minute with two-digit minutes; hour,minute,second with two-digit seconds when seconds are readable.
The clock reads 9,07
